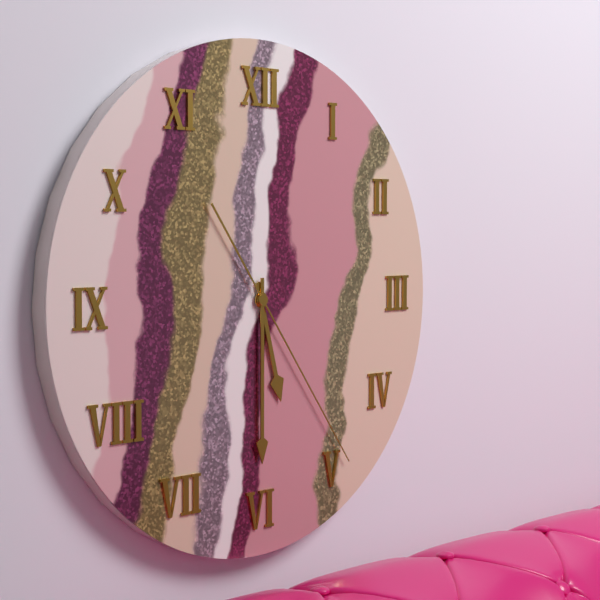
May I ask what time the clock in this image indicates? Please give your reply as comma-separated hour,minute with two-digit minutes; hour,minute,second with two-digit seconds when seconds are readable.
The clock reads 5,30,24
